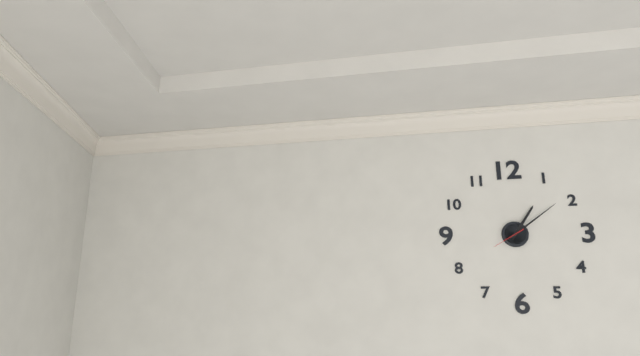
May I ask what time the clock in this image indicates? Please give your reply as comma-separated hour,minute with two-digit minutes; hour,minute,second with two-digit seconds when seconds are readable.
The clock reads 1,09
